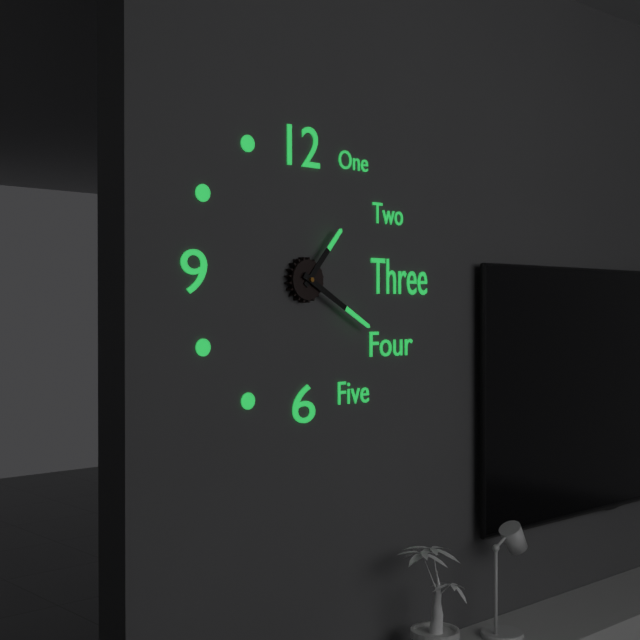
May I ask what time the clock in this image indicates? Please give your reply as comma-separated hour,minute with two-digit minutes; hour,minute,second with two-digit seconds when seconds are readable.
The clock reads 1,20
